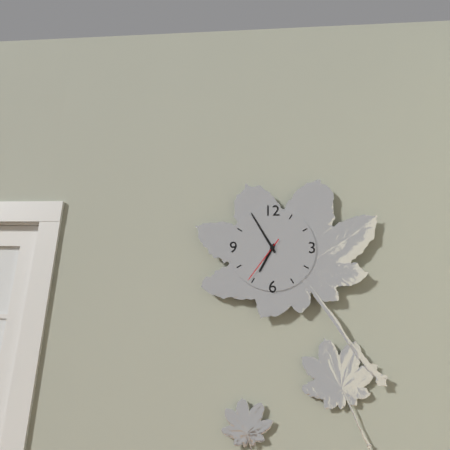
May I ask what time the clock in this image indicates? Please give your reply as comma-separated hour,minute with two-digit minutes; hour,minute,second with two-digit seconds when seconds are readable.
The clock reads 6,55,36
